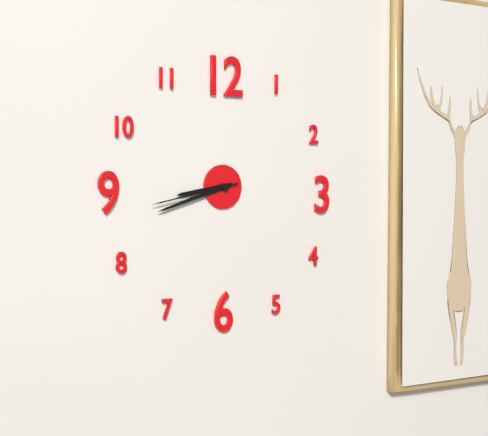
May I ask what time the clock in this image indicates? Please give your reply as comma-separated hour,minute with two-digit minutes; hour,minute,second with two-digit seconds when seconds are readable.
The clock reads 8,42,43
